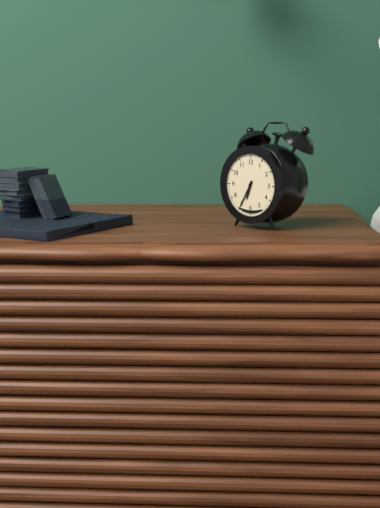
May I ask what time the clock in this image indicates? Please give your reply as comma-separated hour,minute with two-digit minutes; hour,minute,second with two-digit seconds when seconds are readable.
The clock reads 6,35
